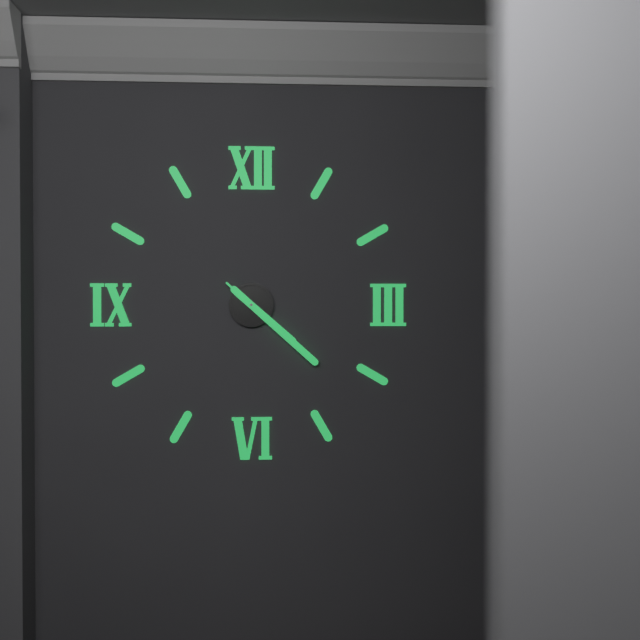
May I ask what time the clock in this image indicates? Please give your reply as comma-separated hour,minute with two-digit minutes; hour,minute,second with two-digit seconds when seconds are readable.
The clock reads 4,22,22
